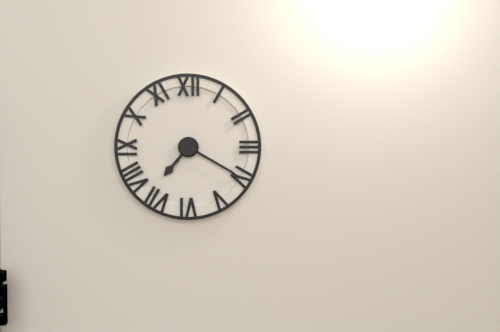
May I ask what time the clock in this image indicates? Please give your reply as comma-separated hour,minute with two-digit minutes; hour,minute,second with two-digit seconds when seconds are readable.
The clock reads 7,20
